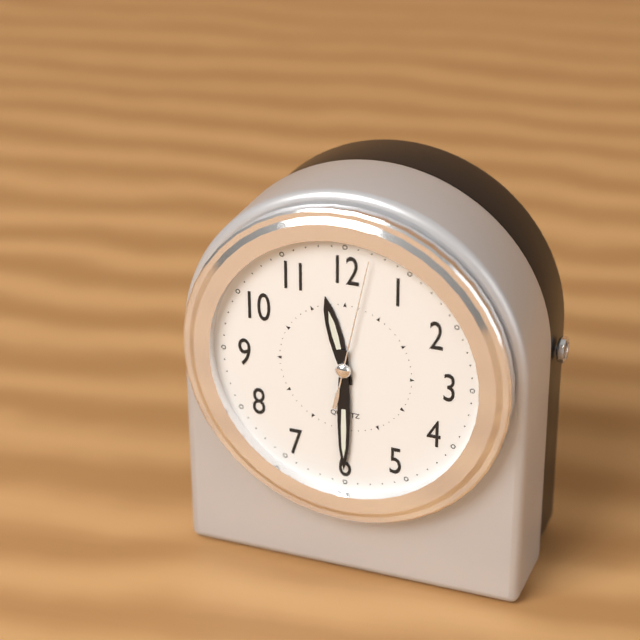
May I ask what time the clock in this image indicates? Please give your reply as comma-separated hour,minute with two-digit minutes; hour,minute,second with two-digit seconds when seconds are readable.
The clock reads 11,30,02
